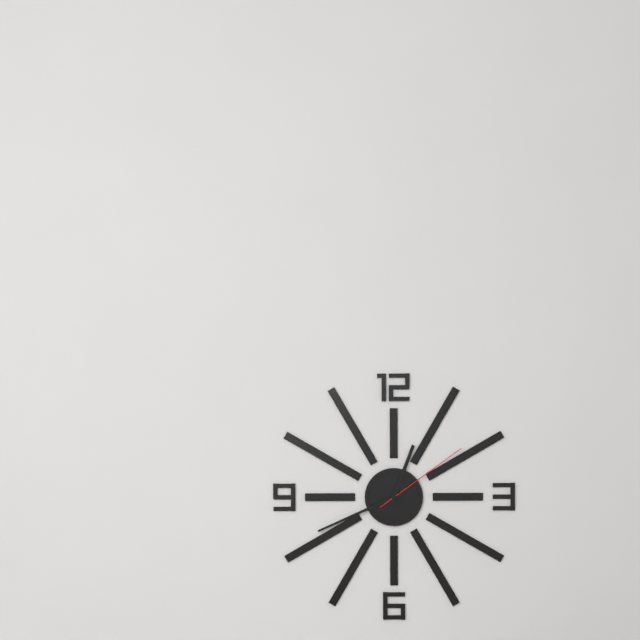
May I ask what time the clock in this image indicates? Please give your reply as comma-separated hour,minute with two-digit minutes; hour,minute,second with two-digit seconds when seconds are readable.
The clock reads 12,41,09
